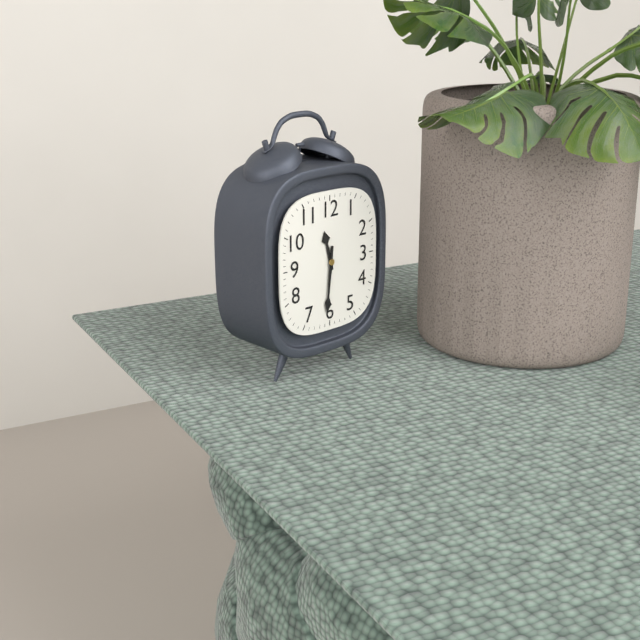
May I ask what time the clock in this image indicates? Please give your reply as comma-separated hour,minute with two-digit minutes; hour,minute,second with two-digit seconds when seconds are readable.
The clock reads 11,31
